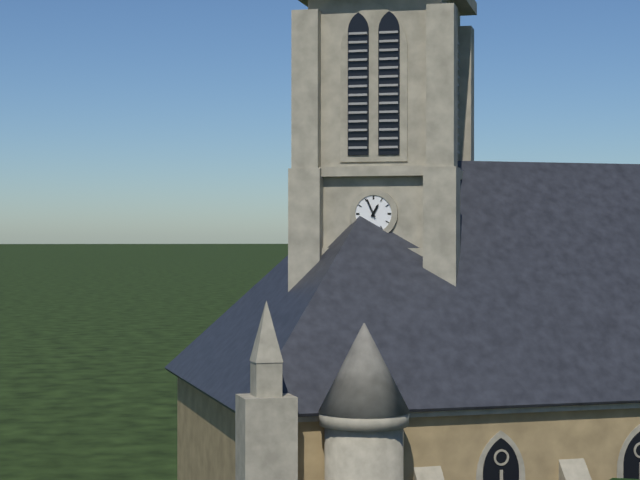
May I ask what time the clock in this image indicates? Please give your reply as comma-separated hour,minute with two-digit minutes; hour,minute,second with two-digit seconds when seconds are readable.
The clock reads 12,56
